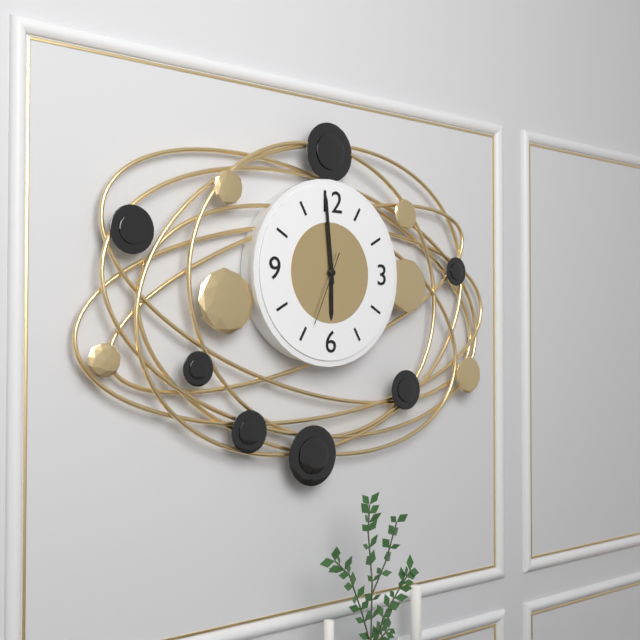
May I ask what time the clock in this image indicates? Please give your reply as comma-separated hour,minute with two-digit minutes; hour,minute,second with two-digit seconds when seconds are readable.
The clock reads 5,59,34
